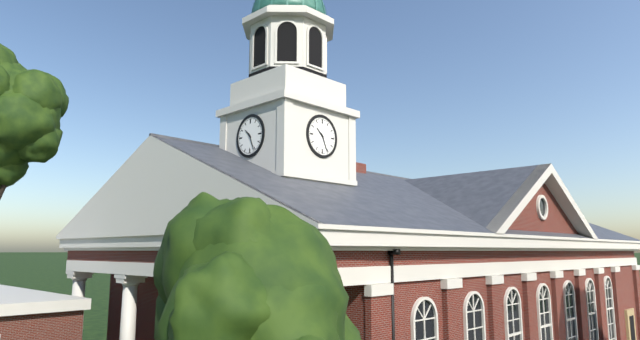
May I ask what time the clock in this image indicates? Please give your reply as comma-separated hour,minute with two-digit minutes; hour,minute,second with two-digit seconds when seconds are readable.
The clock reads 10,26
